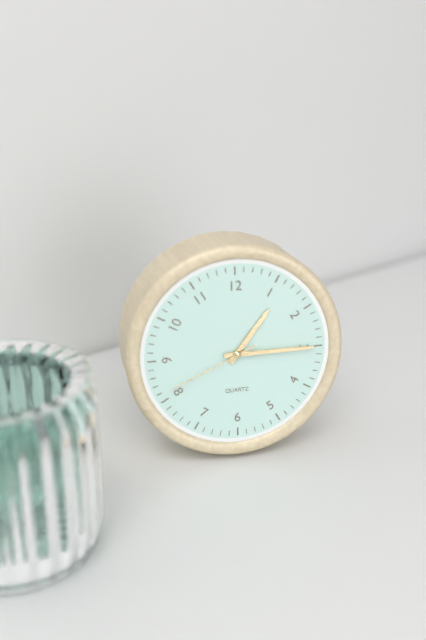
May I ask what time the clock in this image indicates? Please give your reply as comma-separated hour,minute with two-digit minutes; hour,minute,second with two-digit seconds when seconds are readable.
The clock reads 1,15,41
